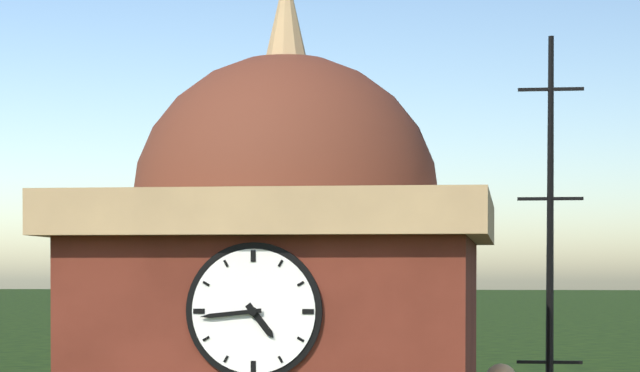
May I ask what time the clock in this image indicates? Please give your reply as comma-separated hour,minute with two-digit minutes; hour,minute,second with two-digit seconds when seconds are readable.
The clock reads 4,44
